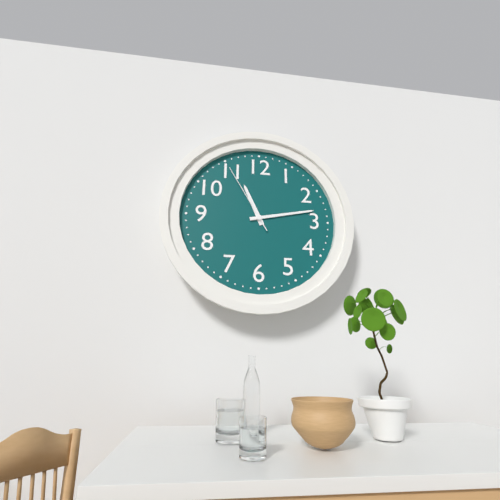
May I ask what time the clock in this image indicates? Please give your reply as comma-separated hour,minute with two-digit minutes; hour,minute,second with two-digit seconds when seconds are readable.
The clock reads 11,13,55
